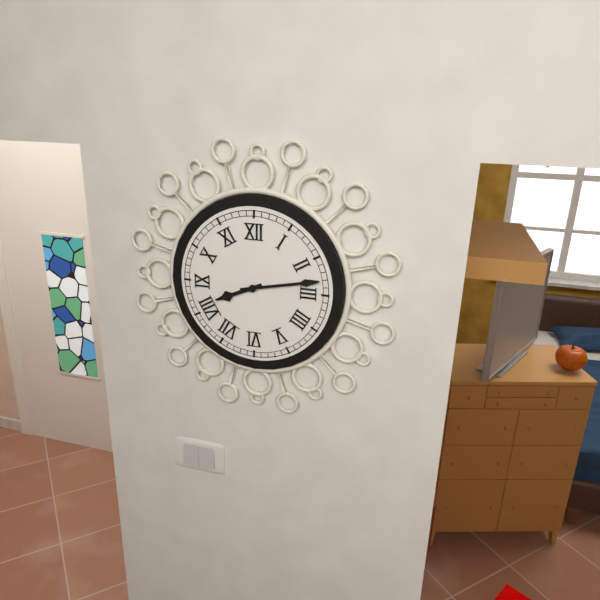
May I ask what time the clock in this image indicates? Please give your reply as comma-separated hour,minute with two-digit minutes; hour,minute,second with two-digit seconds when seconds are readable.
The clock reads 8,13
